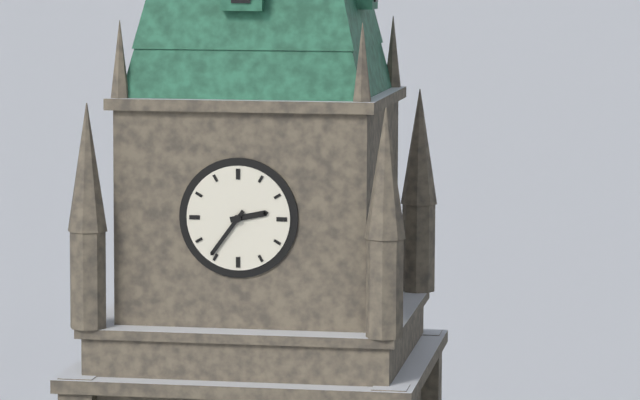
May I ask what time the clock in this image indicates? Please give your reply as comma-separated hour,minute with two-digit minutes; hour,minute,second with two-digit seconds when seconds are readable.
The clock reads 2,36
